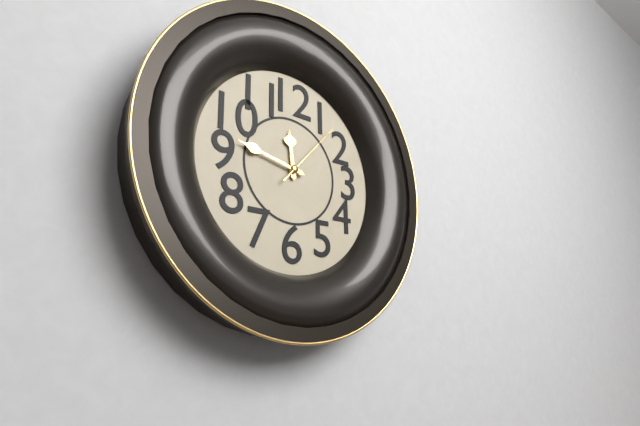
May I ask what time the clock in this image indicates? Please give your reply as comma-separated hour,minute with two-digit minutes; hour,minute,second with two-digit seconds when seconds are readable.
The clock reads 11,47,07
